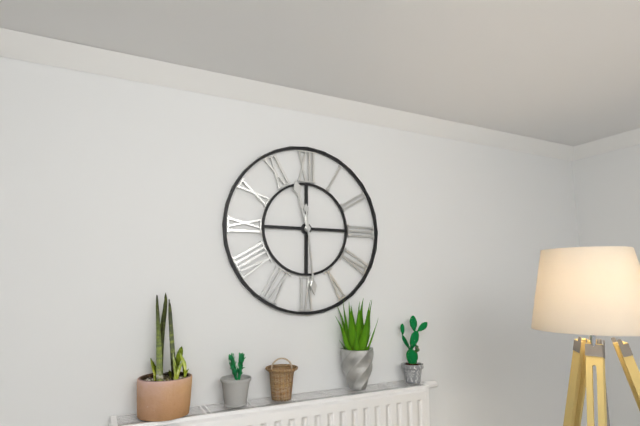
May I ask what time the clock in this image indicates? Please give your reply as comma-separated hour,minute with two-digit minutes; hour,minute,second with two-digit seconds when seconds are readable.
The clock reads 11,29
